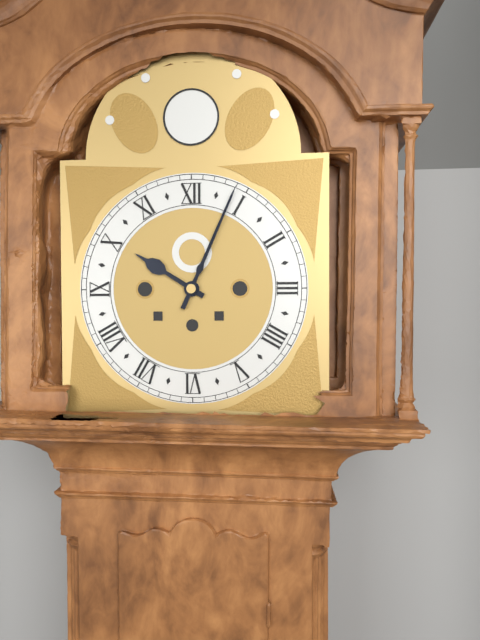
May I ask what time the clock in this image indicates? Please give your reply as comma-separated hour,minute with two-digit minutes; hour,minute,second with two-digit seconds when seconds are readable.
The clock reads 10,04
